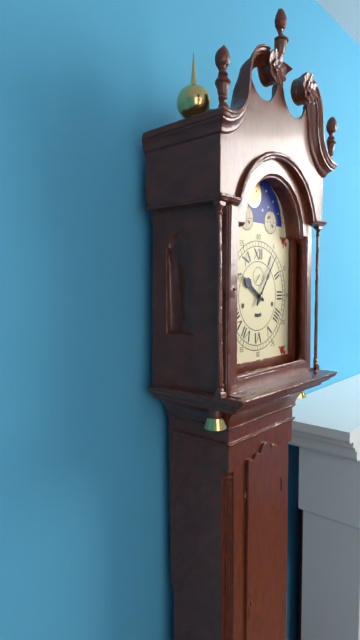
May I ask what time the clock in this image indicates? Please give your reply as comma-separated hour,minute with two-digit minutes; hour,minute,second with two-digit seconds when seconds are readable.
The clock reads 10,06
